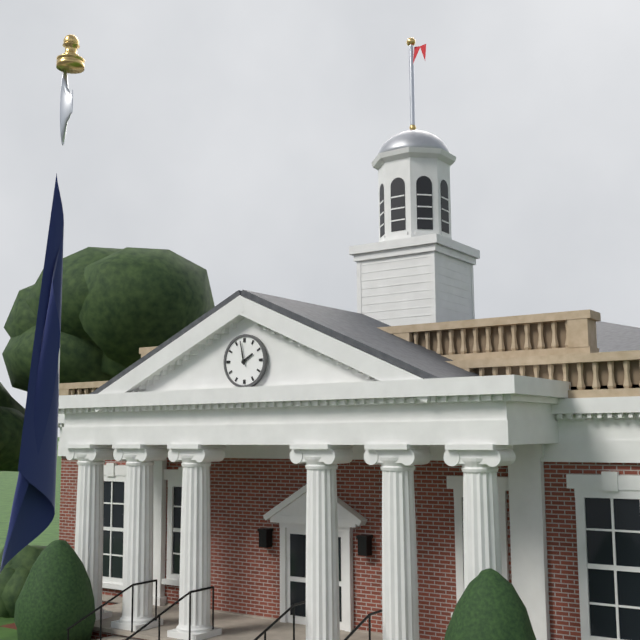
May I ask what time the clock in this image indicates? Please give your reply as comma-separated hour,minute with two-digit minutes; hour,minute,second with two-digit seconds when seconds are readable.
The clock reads 1,58
